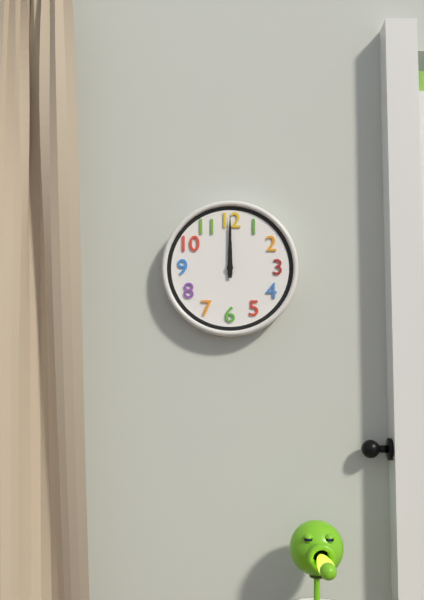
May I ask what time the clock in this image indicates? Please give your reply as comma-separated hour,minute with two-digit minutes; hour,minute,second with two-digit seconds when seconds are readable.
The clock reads 12,00
